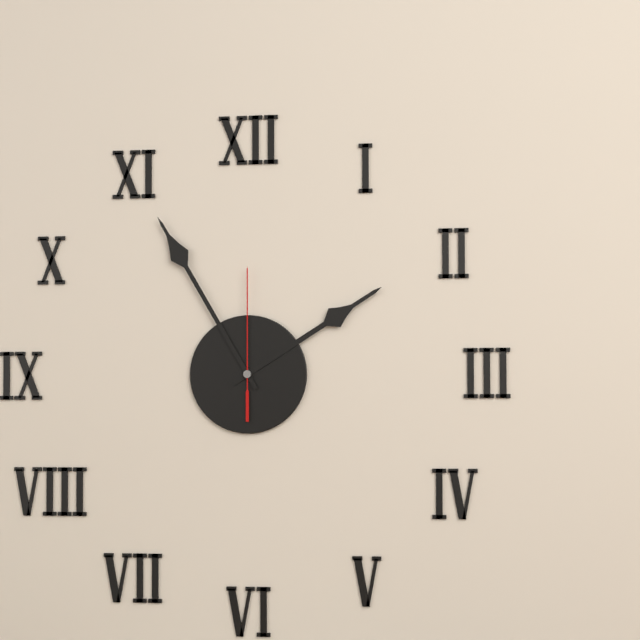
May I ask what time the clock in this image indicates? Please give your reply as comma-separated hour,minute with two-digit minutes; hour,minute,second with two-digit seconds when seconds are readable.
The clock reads 1,55,00
